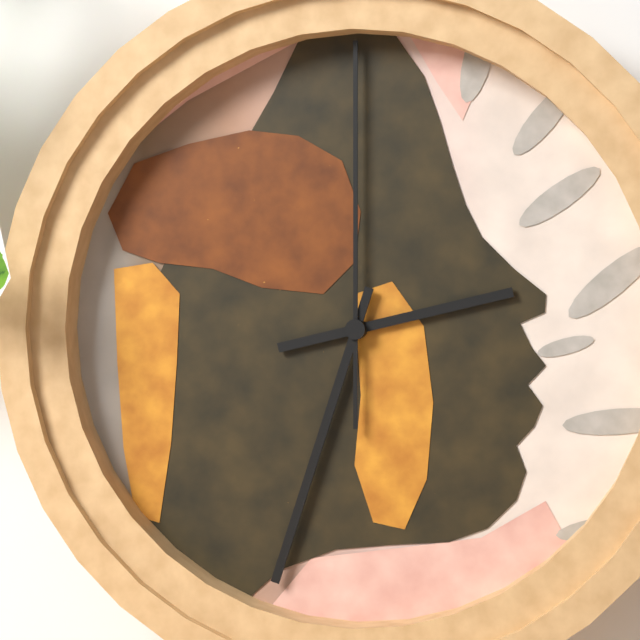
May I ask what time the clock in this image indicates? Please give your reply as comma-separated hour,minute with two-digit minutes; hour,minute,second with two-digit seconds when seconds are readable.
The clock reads 2,33,00
